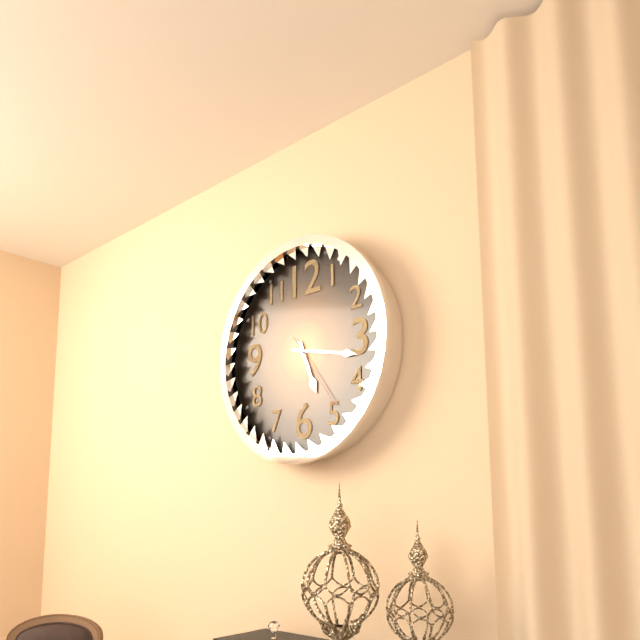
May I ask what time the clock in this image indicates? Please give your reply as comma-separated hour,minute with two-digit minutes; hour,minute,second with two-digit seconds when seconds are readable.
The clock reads 5,17,24
